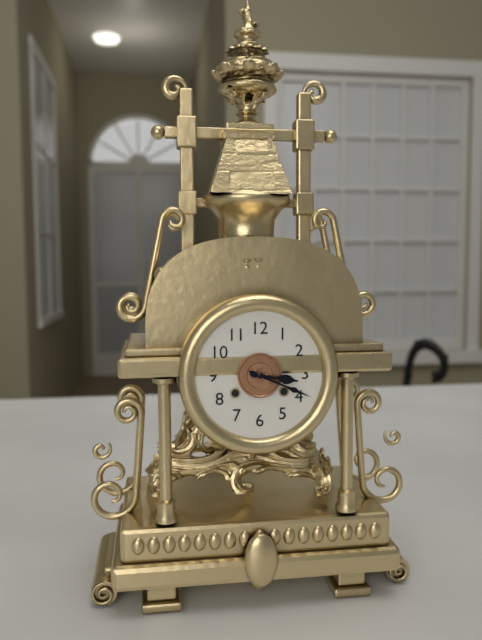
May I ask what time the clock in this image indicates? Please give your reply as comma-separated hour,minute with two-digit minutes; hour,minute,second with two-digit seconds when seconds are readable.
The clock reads 3,19
